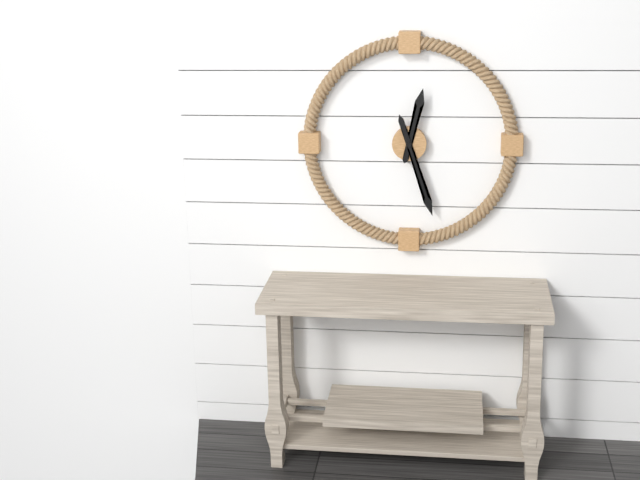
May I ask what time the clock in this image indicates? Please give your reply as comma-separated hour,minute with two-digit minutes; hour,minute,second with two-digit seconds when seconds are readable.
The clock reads 12,27
